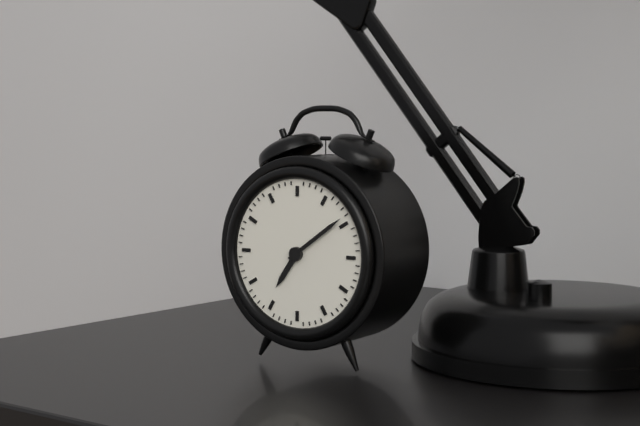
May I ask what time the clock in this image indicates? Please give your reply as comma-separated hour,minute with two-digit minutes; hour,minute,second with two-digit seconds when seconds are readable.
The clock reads 7,09
